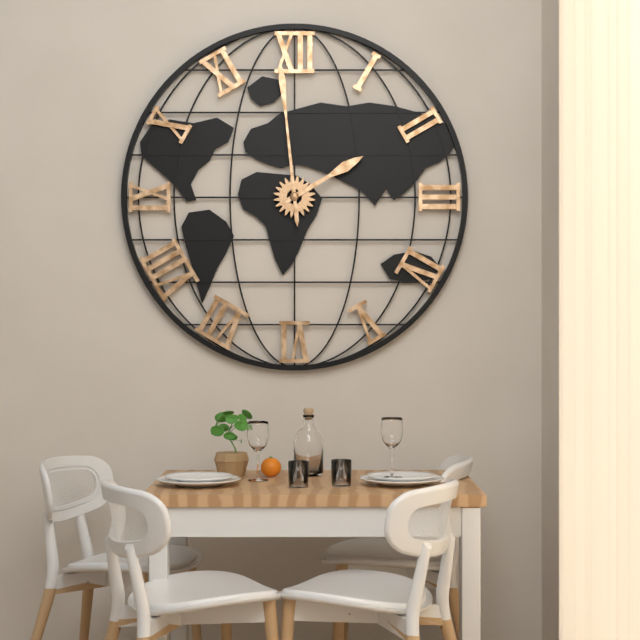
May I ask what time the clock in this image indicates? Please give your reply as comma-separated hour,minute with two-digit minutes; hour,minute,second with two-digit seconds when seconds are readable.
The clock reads 1,59
